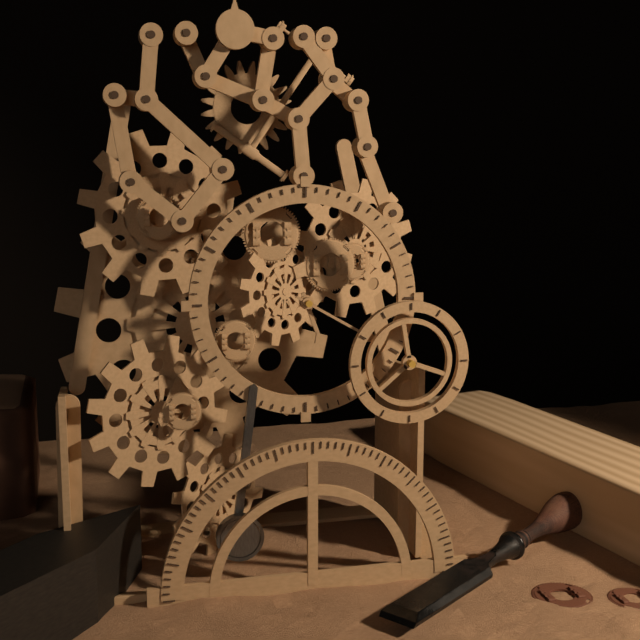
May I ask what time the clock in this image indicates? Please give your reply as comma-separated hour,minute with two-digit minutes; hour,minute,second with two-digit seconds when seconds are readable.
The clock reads 5,20
